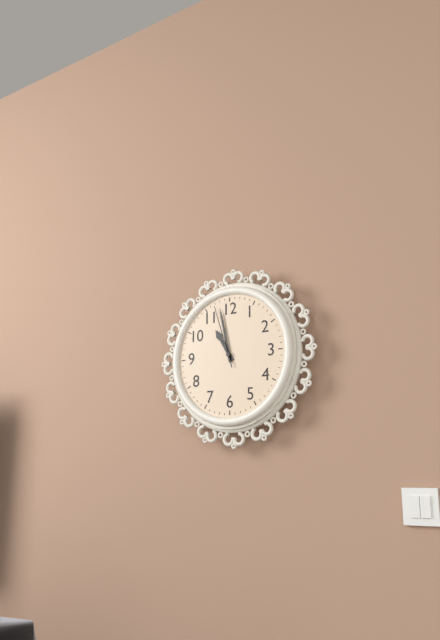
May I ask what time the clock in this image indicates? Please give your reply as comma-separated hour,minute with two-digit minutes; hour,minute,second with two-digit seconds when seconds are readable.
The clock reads 10,58,57
